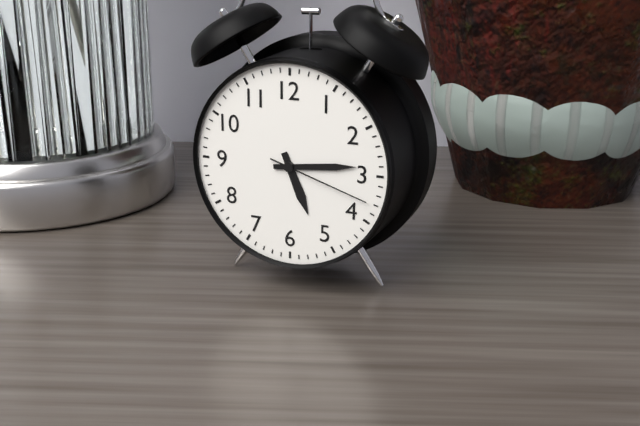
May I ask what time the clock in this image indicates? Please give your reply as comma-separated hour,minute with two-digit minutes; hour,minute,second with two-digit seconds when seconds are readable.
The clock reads 5,14,18
